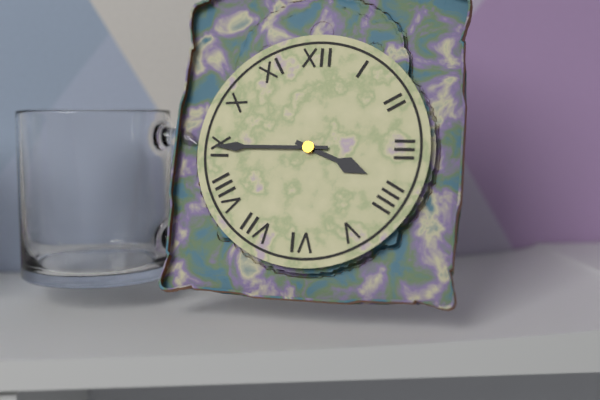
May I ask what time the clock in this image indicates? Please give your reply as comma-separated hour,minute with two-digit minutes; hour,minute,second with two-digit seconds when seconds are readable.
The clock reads 3,45
